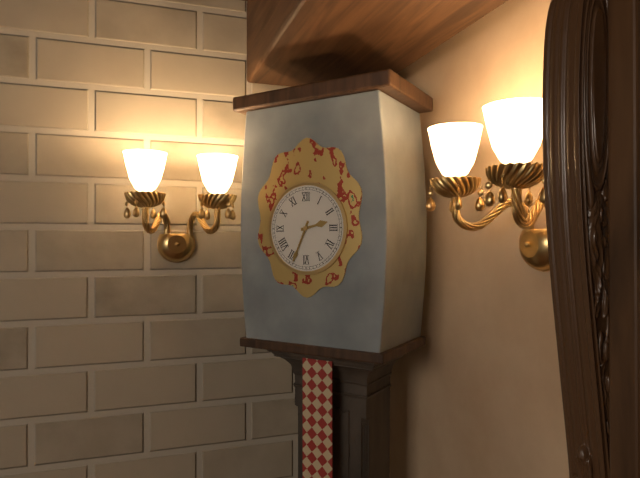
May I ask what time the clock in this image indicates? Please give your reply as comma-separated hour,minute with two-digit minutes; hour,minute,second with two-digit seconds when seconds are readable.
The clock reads 2,34
